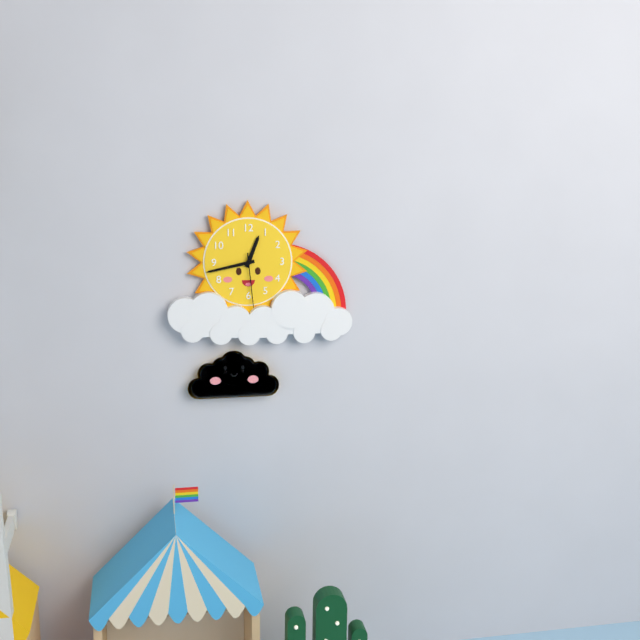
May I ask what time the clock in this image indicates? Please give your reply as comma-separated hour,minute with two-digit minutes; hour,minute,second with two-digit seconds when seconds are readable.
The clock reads 12,43,29
